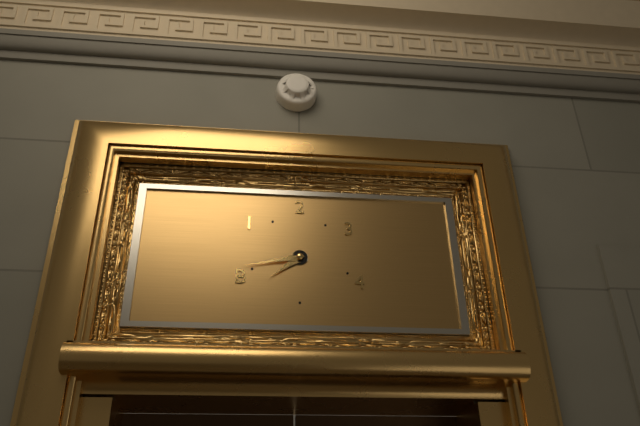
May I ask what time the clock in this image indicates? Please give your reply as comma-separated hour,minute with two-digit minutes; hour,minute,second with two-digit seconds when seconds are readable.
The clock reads 7,43
